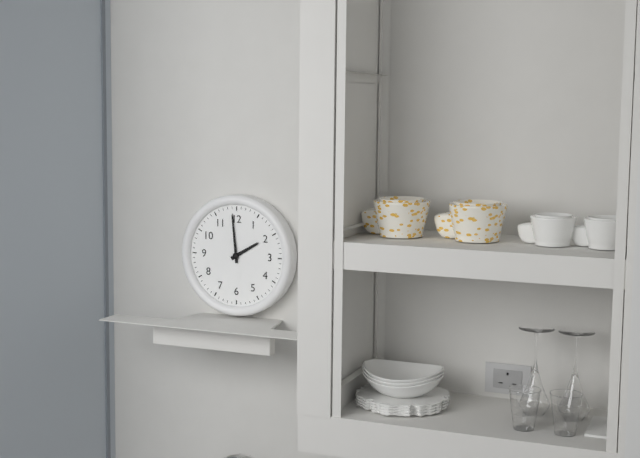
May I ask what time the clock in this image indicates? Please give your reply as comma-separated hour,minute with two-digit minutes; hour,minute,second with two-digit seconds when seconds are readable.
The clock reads 1,59
